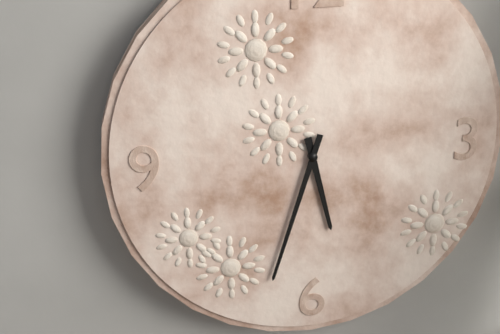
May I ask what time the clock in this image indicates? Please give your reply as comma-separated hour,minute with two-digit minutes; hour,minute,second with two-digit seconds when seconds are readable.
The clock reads 5,33
